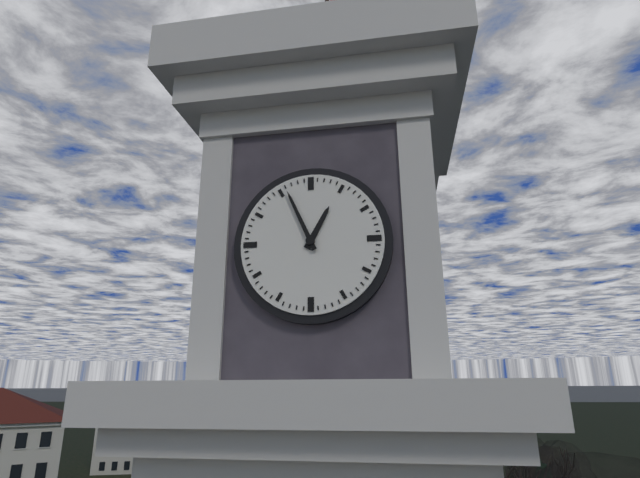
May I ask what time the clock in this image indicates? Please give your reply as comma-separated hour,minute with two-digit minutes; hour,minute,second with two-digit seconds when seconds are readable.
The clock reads 12,56
